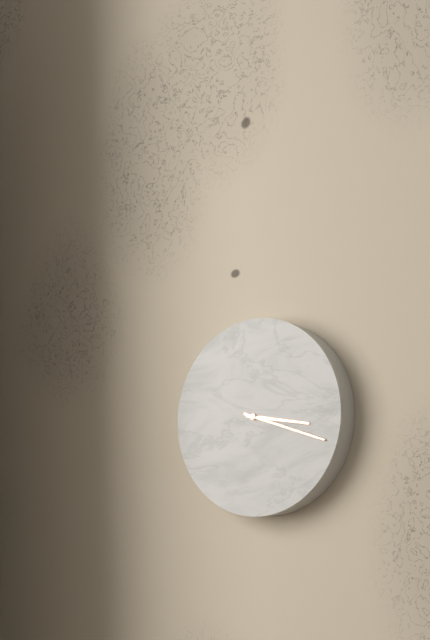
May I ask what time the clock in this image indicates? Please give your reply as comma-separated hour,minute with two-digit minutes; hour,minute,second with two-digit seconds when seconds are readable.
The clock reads 3,18
